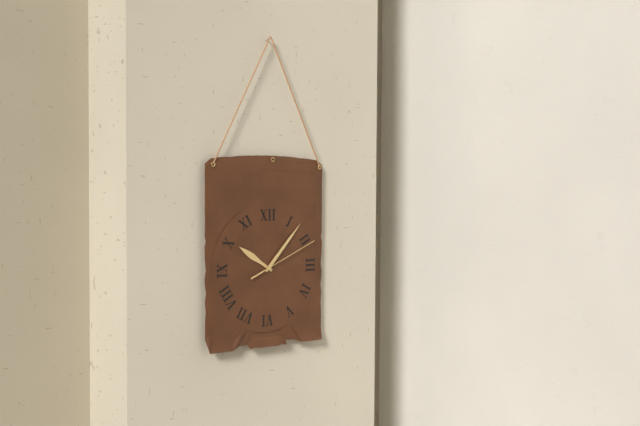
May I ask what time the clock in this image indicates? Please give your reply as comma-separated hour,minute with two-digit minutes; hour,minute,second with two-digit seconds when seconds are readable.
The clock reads 10,07,11
